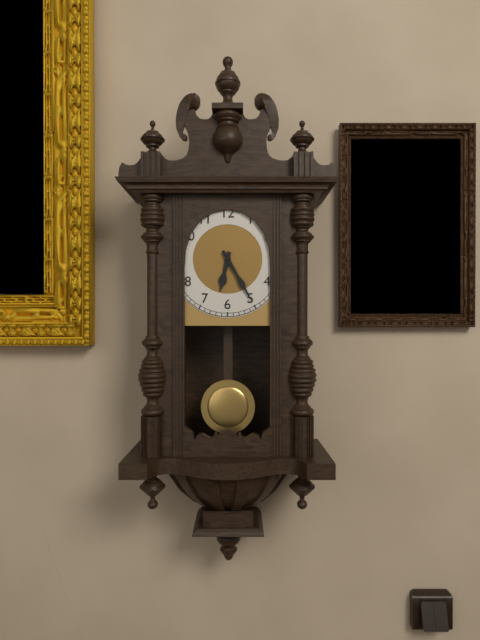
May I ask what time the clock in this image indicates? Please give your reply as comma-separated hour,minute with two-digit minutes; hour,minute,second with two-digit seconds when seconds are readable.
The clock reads 6,25
